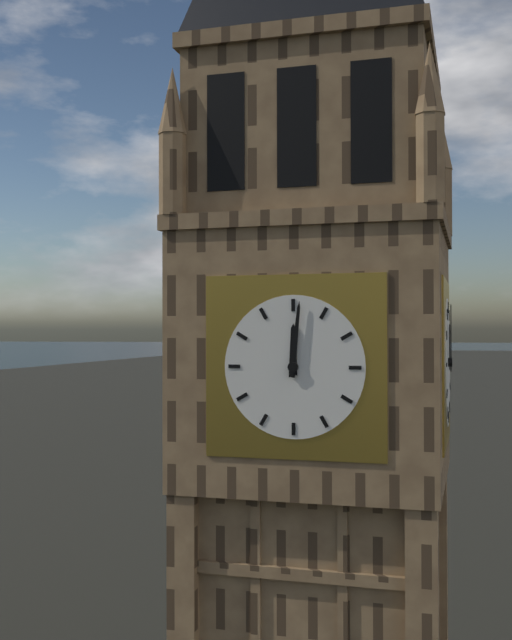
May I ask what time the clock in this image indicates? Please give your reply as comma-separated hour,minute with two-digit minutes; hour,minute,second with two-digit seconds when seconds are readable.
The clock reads 12,01
